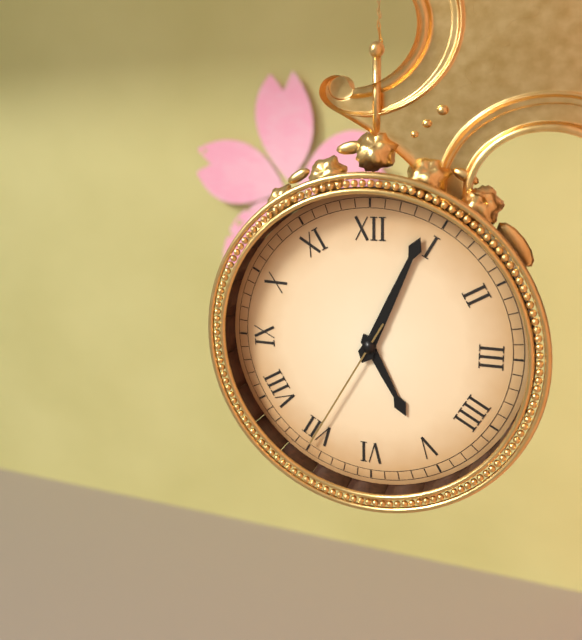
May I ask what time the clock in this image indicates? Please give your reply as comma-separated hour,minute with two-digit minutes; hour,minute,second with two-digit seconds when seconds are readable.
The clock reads 5,04,35
